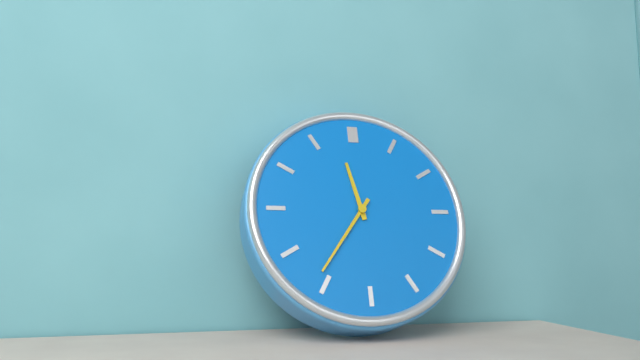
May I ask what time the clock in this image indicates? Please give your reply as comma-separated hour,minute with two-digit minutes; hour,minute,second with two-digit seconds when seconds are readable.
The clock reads 11,36
